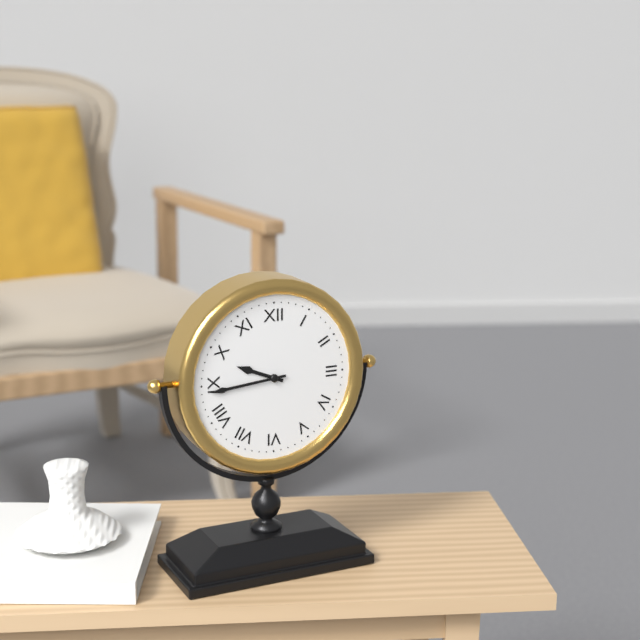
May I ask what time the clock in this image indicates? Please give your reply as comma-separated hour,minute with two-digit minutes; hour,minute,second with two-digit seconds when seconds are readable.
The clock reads 9,44
